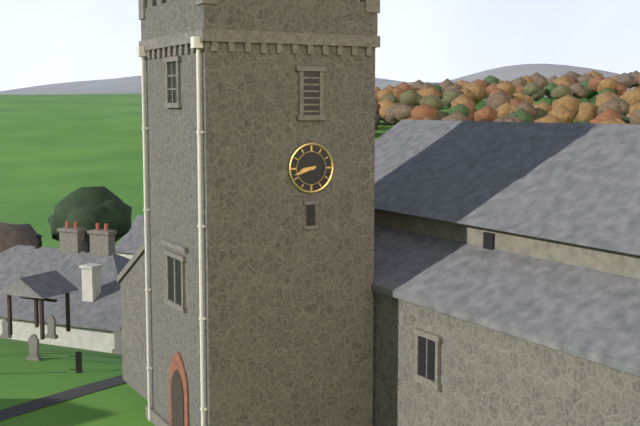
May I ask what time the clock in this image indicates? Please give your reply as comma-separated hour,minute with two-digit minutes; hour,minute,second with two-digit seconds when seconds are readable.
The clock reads 8,42
